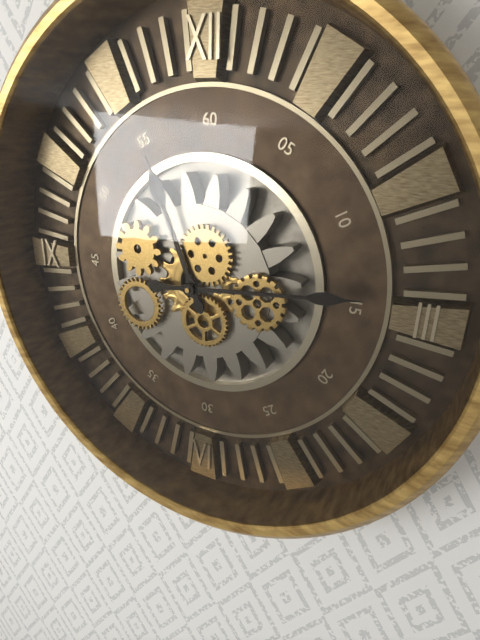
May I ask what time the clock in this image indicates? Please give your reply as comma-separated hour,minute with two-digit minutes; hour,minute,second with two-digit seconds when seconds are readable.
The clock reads 11,14
